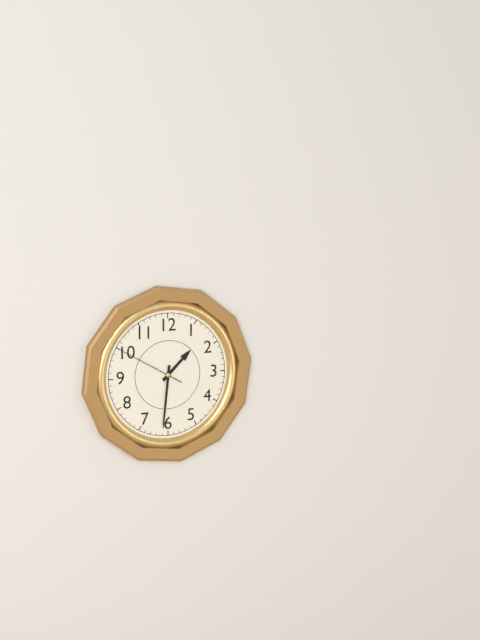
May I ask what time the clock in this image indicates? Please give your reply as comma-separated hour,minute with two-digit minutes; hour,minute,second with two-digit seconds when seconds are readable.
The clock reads 1,31,50
